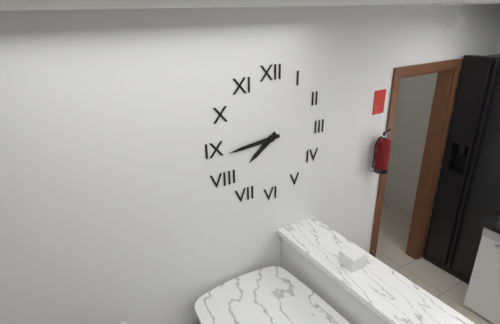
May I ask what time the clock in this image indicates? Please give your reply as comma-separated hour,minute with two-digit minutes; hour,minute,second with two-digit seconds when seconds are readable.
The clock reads 7,44
